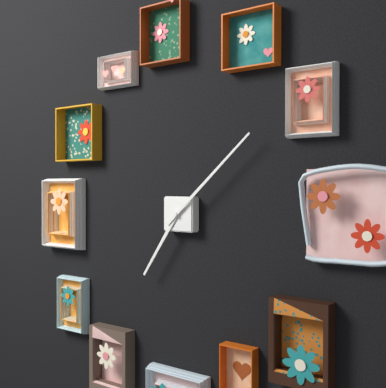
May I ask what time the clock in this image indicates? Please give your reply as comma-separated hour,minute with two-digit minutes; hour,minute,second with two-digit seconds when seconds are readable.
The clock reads 7,08
